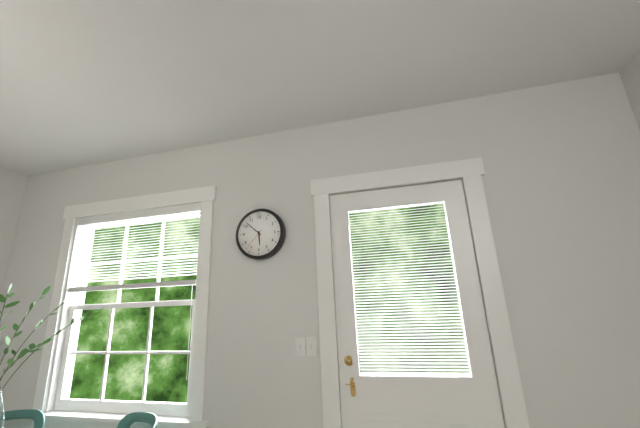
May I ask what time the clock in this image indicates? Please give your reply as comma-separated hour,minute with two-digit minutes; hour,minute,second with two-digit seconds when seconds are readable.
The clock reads 5,52
